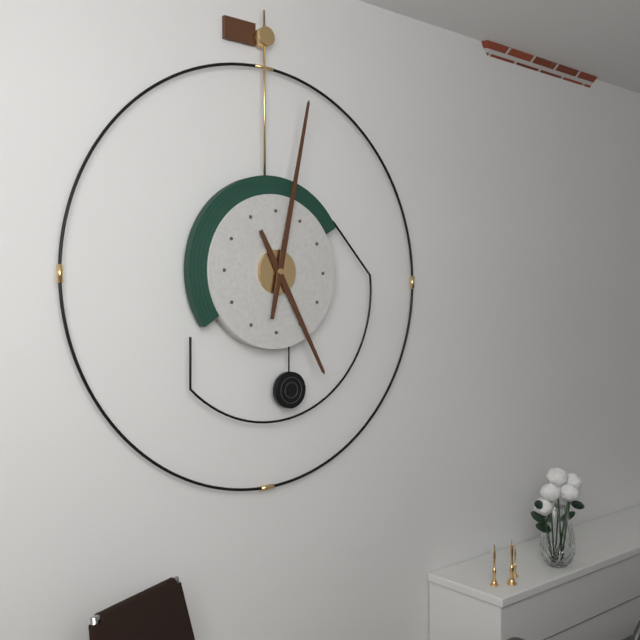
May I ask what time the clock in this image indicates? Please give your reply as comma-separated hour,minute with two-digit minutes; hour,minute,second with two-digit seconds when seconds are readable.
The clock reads 5,02
